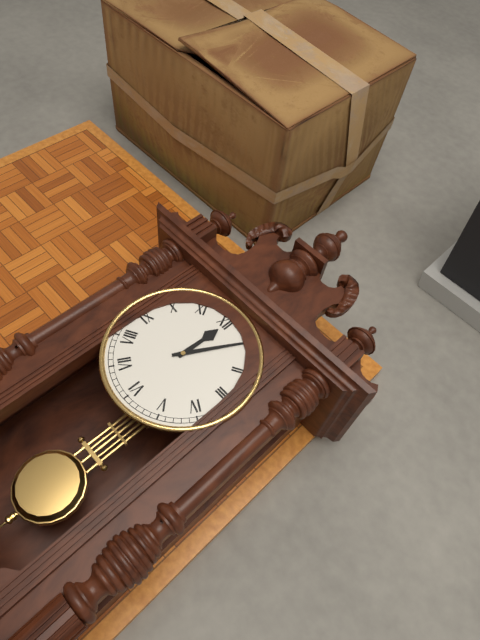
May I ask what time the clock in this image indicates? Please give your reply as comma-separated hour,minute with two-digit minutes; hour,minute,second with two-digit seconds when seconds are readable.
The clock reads 12,05
